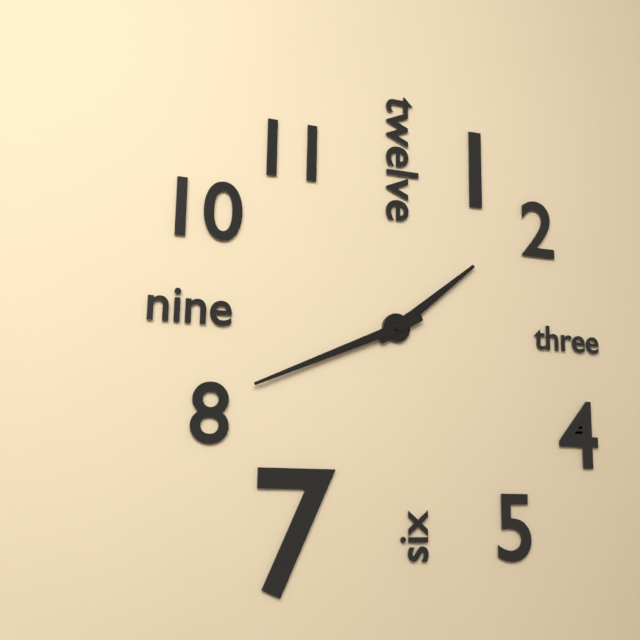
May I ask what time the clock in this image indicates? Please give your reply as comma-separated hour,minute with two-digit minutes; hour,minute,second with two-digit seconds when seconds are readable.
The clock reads 1,41
